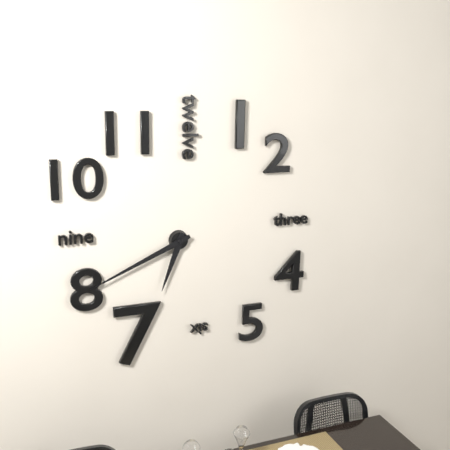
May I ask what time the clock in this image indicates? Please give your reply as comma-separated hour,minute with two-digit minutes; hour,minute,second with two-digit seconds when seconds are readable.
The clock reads 6,41
